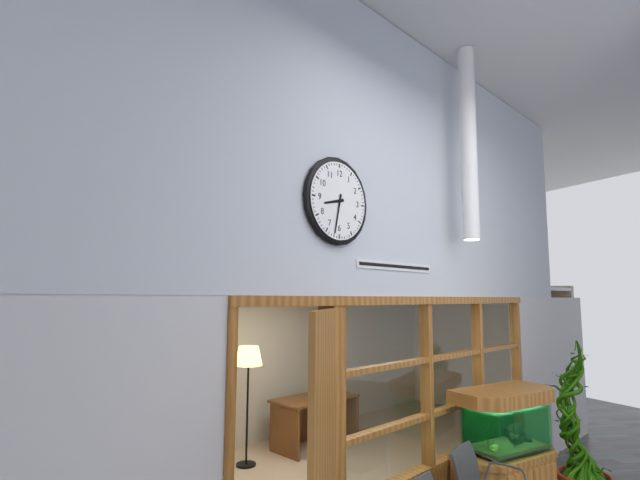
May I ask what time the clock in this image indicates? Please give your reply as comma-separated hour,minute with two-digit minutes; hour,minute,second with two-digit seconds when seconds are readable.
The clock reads 8,32
